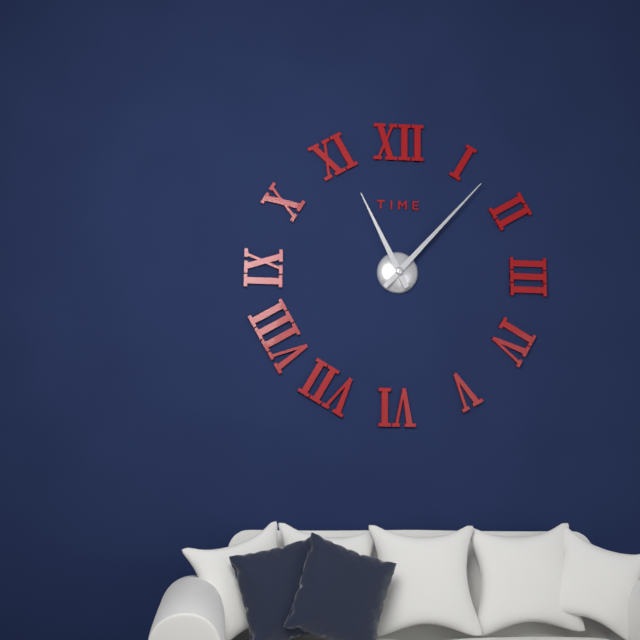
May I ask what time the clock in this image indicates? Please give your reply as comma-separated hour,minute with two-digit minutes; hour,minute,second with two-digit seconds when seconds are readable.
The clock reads 11,07
